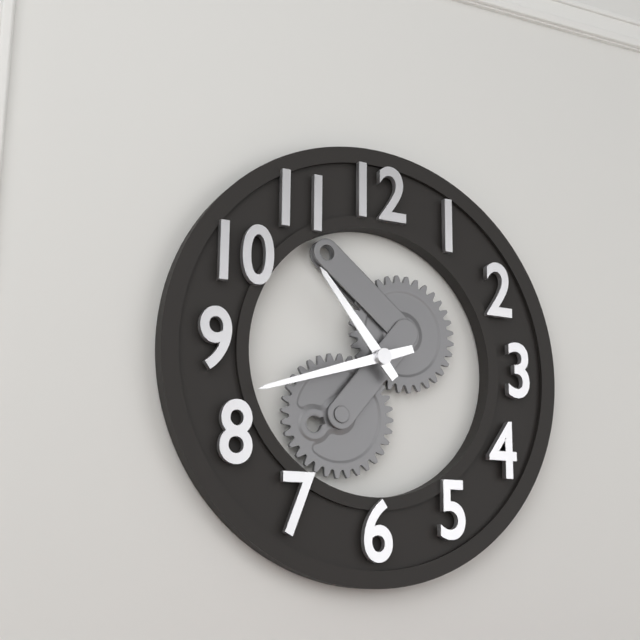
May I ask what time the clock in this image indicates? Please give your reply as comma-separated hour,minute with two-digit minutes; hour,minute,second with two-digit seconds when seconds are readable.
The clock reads 10,42
